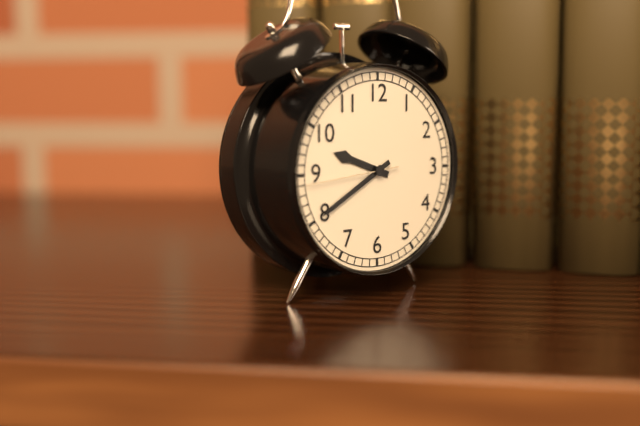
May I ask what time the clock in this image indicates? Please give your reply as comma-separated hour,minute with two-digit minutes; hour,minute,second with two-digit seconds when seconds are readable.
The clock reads 9,40,44
